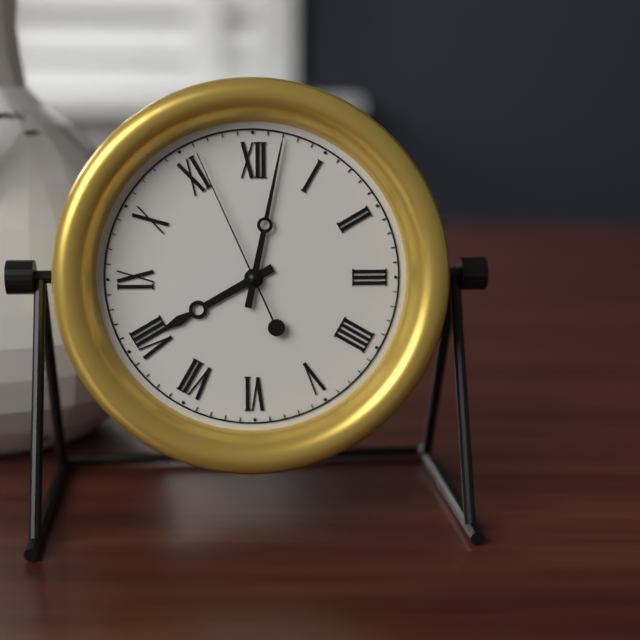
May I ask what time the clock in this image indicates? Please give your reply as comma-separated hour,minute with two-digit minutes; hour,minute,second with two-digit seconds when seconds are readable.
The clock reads 8,02,56
